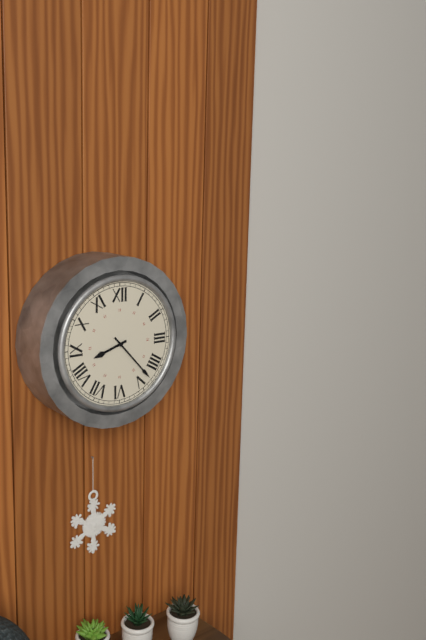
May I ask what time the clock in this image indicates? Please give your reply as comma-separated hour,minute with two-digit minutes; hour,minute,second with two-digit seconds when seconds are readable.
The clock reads 8,23
